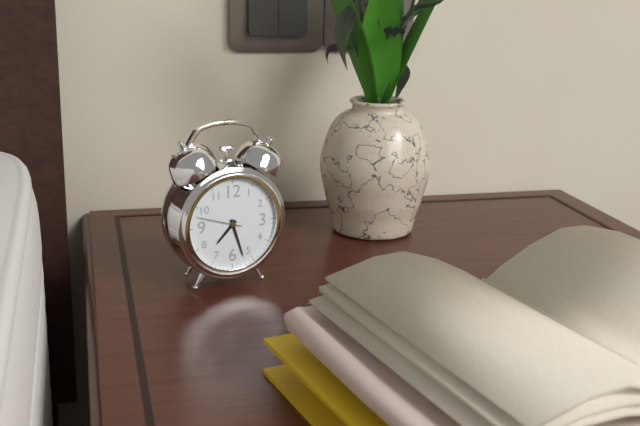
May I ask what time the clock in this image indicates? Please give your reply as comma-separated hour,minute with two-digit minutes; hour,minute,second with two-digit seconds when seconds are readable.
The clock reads 7,27
